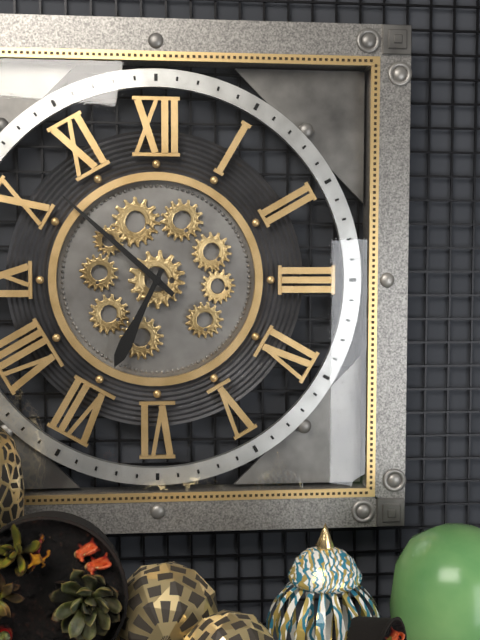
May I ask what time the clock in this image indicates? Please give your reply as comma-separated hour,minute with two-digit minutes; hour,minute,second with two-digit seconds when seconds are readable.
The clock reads 6,52
